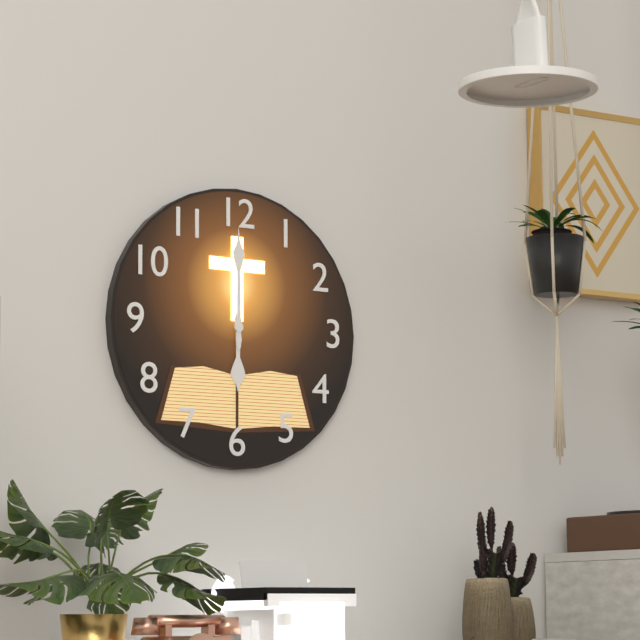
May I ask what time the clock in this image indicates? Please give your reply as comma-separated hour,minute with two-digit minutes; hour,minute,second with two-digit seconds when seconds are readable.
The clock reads 6,00
